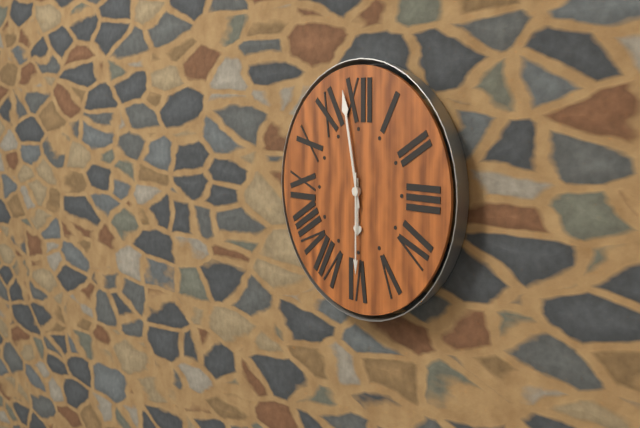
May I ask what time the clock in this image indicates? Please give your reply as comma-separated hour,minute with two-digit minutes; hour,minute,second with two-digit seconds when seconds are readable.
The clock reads 5,58,30
